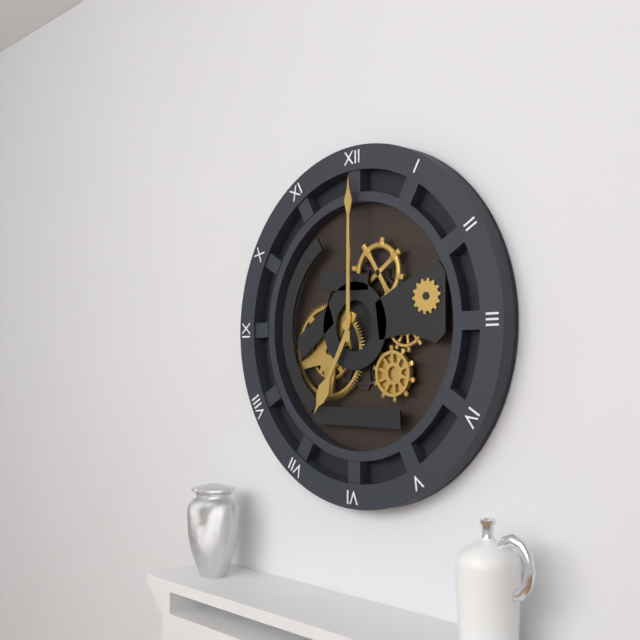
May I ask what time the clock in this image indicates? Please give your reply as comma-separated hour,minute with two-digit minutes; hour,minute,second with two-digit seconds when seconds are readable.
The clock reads 7,00
